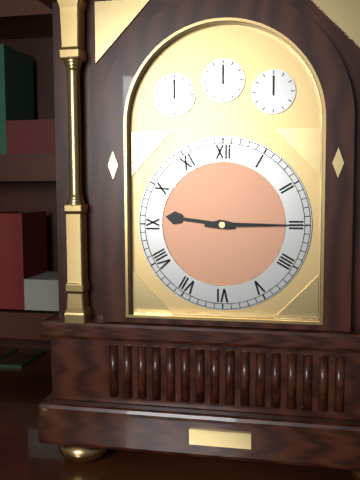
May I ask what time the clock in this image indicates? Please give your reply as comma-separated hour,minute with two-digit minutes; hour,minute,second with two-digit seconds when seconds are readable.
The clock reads 9,15
